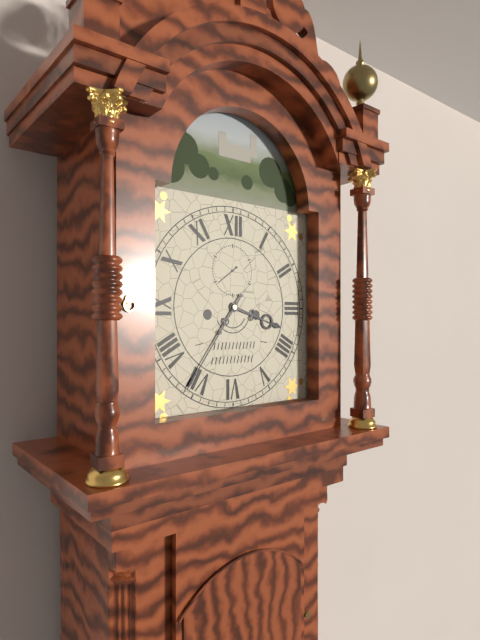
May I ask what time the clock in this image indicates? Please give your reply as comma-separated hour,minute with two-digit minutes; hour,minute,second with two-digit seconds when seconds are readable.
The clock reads 3,36
